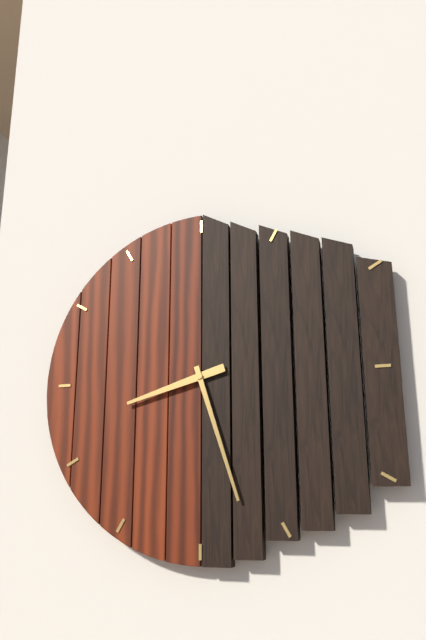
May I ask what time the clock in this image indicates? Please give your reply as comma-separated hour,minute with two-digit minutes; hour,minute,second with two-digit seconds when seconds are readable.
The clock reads 8,27
